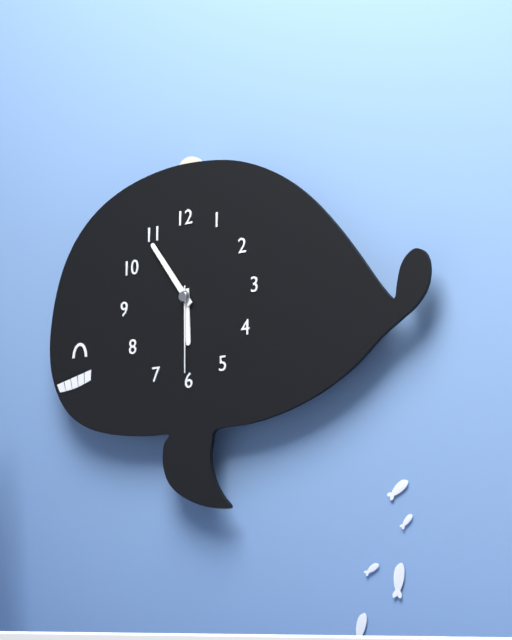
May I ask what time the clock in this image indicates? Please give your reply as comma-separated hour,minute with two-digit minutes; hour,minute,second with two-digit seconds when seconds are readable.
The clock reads 5,54,30
